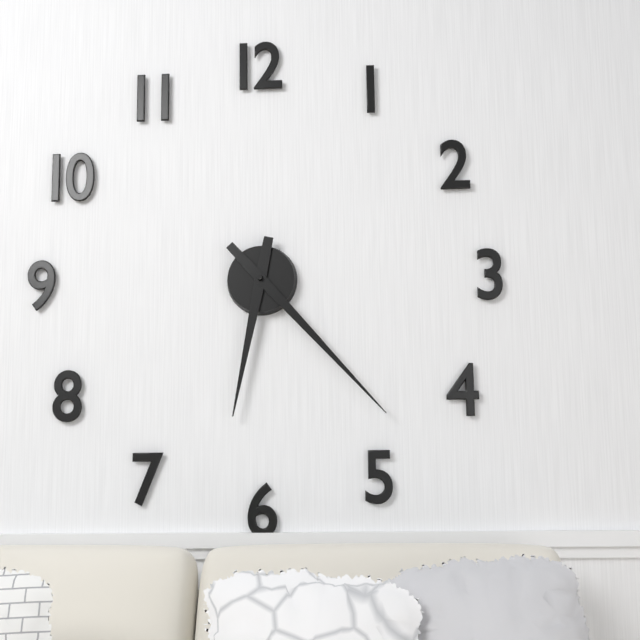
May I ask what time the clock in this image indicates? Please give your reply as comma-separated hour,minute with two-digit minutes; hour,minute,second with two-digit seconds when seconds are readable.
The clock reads 6,23
